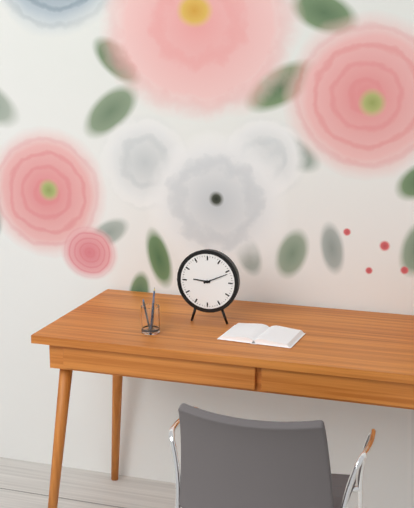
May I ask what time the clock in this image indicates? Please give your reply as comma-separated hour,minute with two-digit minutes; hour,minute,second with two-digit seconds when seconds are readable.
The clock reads 9,11
